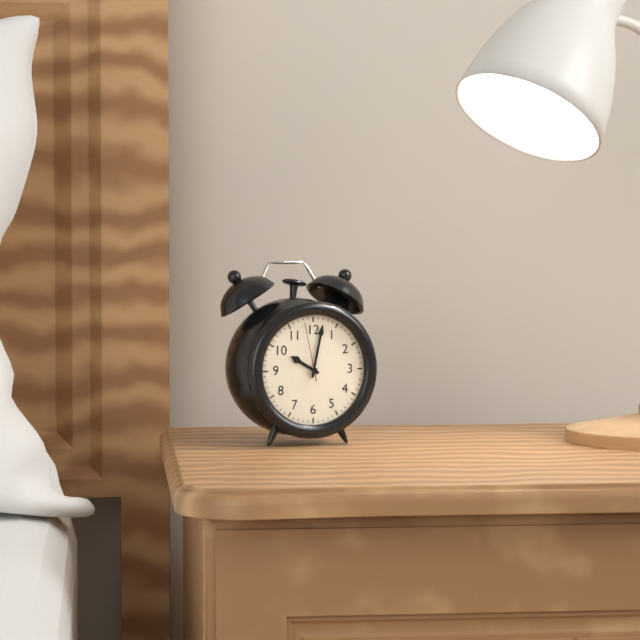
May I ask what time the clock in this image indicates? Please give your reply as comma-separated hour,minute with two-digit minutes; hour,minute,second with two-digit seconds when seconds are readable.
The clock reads 10,02,58
